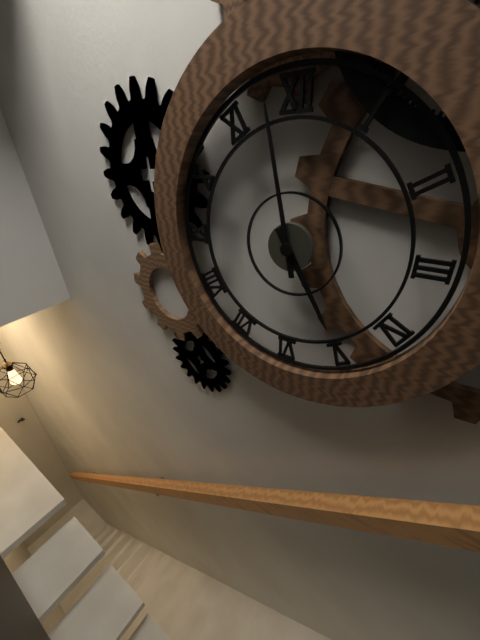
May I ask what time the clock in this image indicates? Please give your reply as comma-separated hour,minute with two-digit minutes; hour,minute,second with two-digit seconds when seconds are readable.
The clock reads 4,58
